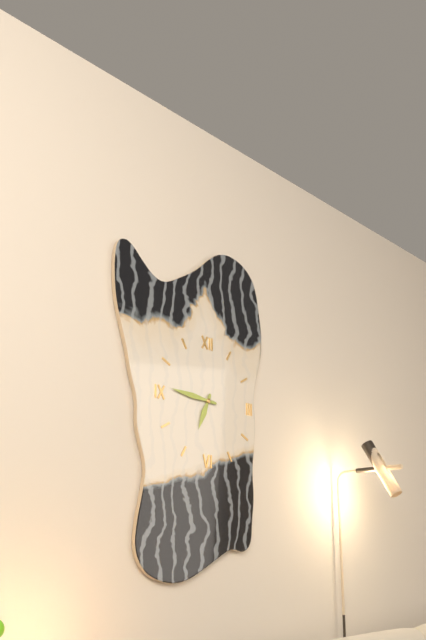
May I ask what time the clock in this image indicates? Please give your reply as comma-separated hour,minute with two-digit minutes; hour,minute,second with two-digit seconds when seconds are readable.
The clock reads 6,46
